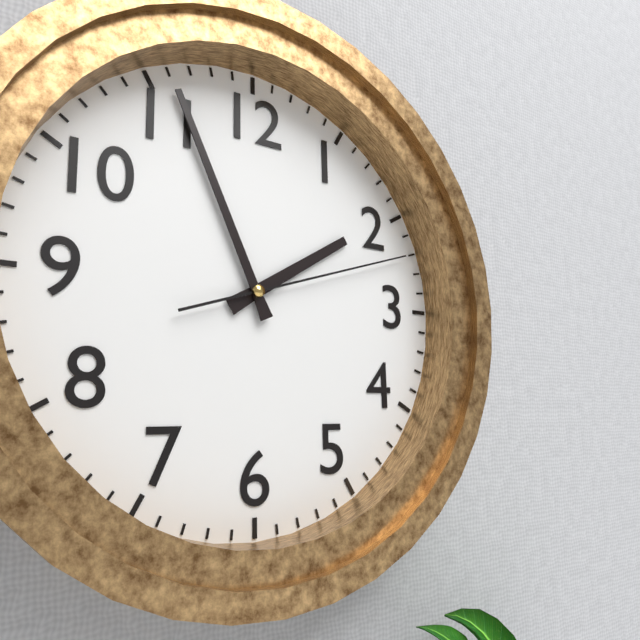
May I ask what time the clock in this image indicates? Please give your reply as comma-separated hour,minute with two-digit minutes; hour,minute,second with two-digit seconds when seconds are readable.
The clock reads 1,56,12
